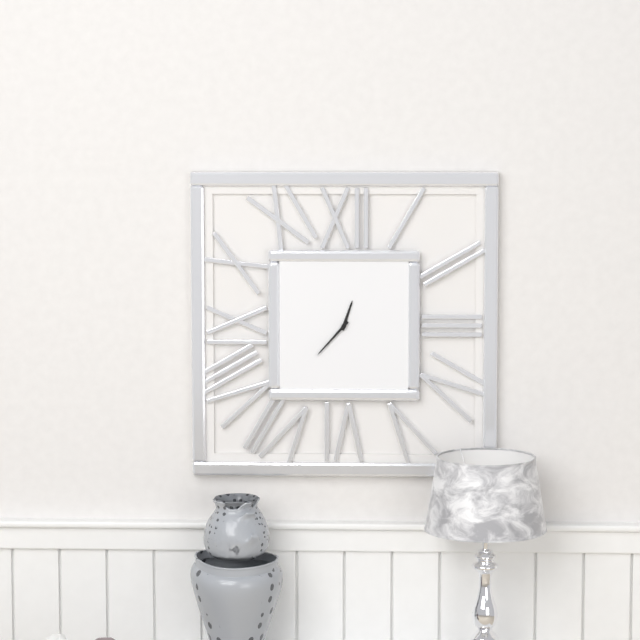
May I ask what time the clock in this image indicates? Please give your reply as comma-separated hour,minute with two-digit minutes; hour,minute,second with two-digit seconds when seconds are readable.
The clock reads 12,37
